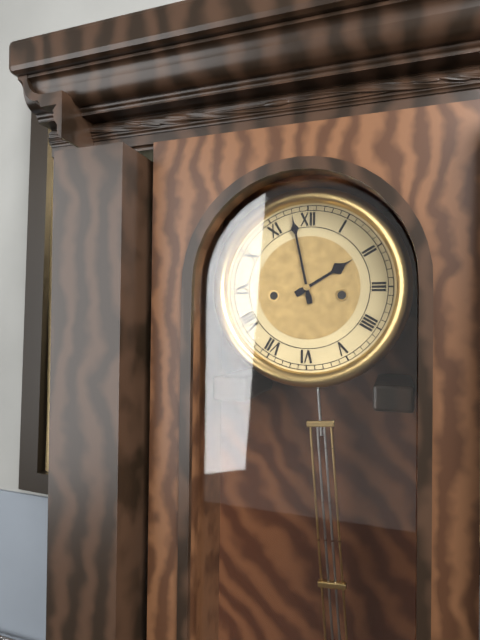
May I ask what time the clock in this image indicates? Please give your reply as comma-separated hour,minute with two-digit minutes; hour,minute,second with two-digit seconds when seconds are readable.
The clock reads 1,58
